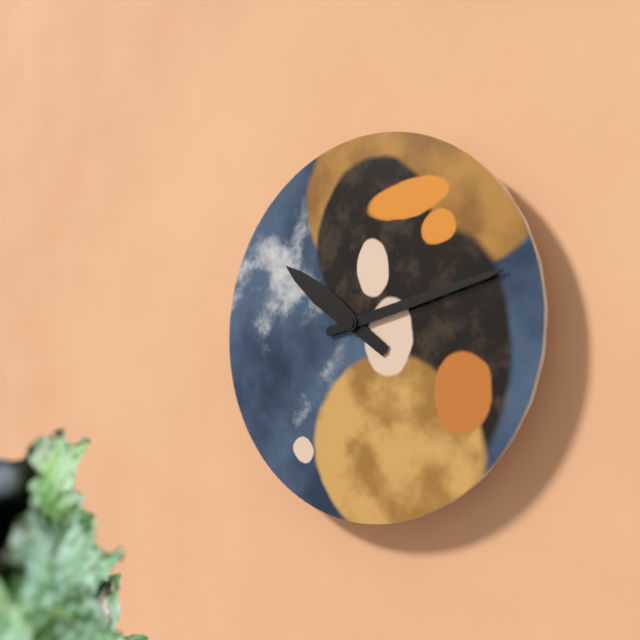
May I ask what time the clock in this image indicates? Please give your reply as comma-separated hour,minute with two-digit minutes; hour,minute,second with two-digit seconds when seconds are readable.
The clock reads 10,13
